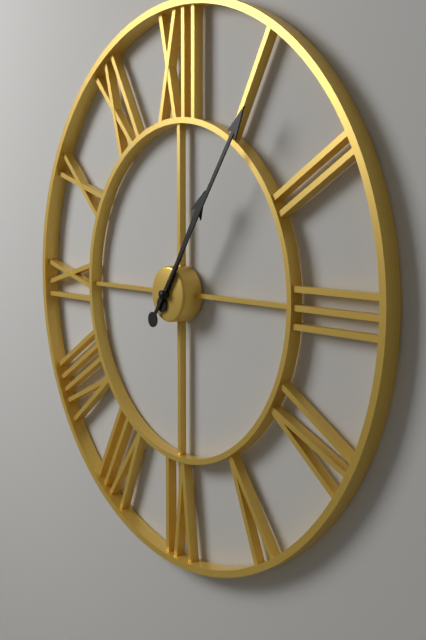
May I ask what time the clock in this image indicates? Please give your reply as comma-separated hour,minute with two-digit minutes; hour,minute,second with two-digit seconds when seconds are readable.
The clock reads 1,06
